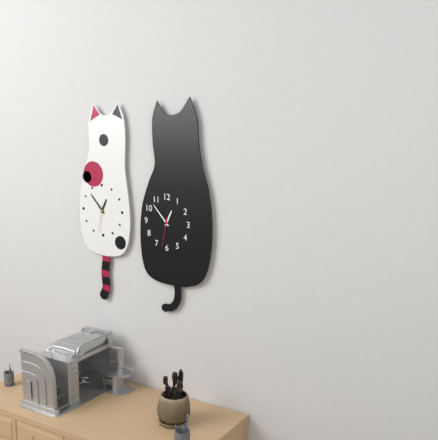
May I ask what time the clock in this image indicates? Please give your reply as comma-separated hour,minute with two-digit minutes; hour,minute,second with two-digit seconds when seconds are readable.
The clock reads 12,53
